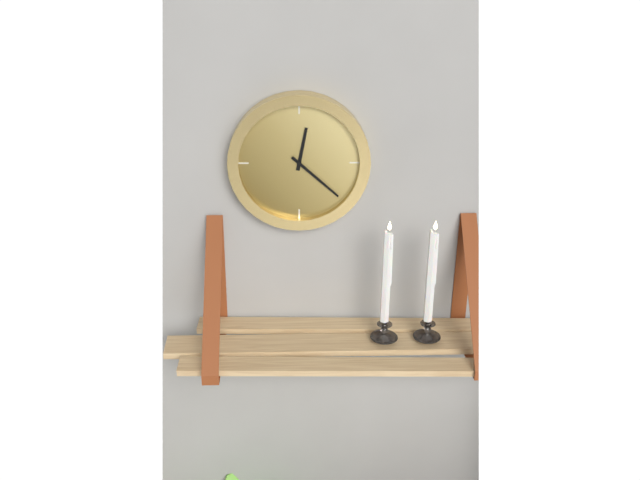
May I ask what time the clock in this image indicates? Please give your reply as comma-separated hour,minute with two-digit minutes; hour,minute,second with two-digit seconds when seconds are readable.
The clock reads 12,22
